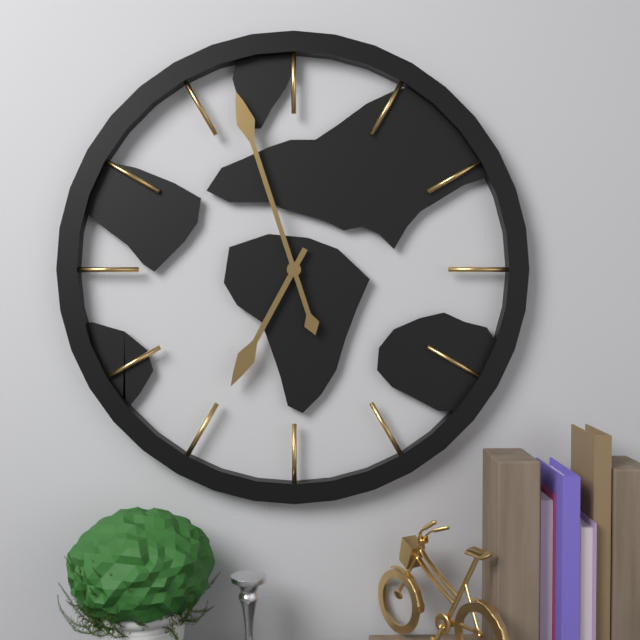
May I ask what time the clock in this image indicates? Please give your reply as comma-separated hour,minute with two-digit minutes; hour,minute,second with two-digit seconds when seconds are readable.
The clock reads 6,57
